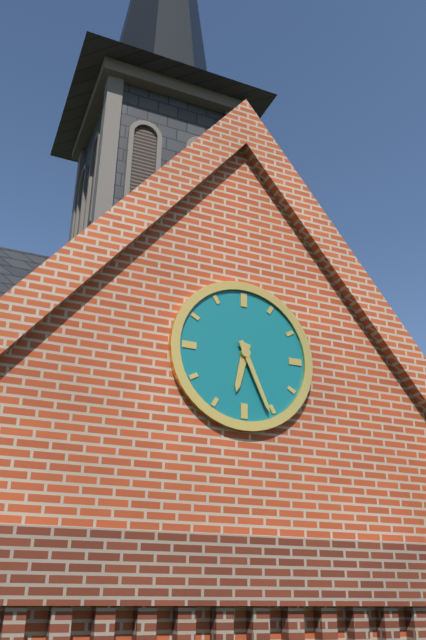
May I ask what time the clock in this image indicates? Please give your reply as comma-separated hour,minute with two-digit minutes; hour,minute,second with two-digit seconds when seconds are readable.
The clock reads 6,26
